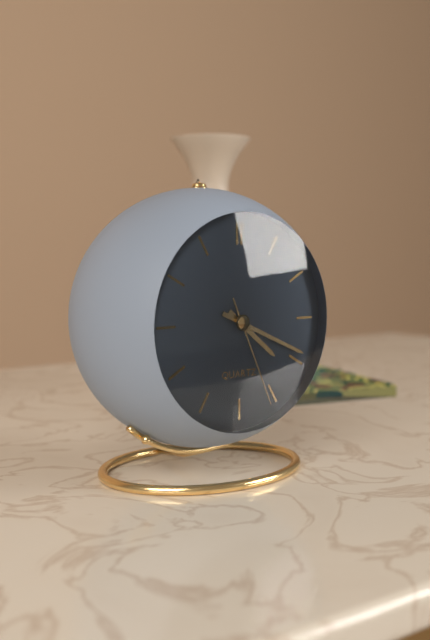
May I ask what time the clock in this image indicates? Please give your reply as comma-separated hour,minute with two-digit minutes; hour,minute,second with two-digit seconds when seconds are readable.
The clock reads 4,19,26
